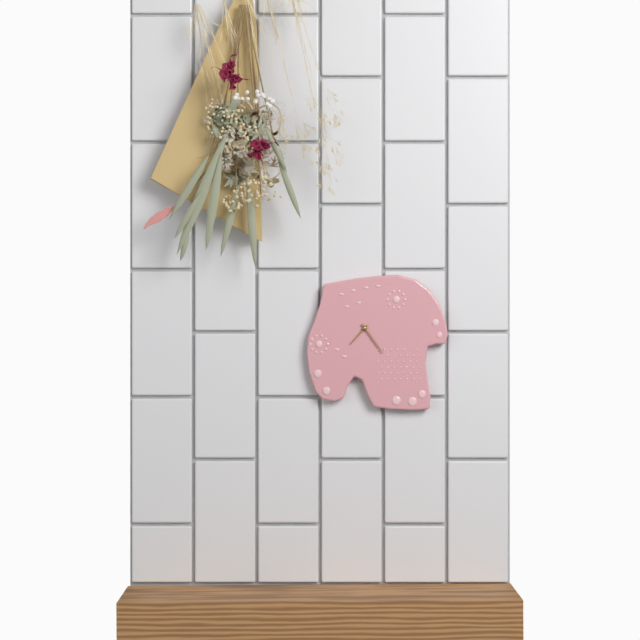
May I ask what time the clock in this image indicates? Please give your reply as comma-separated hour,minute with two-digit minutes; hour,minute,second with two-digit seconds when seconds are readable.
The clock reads 7,24
